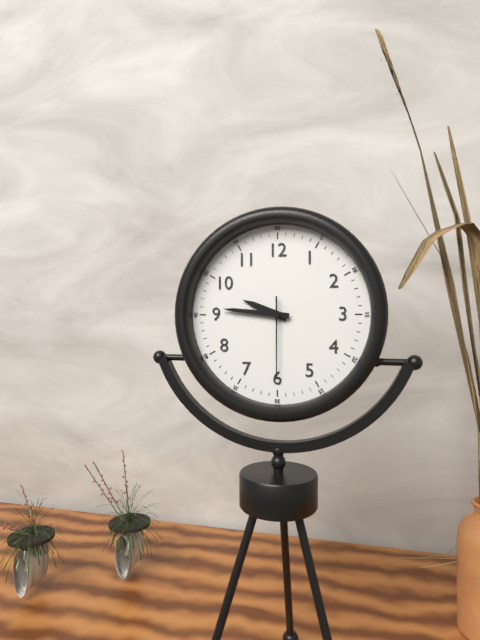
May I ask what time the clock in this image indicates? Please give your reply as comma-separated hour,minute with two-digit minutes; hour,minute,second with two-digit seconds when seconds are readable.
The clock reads 9,46,30
